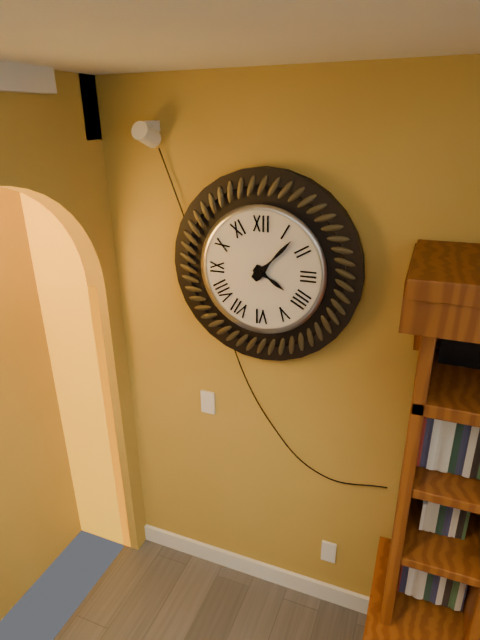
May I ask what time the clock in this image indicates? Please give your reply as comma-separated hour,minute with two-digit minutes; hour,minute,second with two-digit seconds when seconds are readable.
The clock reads 4,07
